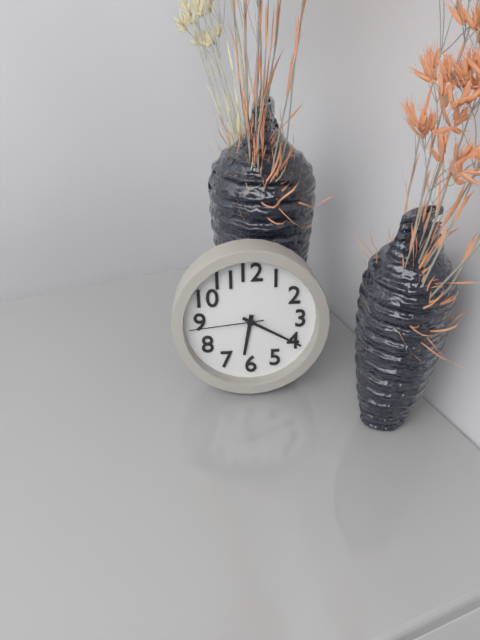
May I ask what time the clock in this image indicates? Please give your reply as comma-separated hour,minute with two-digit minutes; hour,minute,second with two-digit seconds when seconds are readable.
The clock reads 6,20,44
